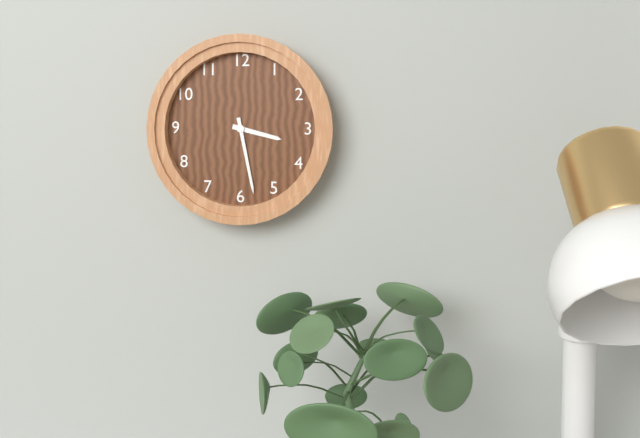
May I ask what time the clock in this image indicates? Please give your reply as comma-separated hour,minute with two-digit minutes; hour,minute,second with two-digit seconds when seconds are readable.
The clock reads 3,28
